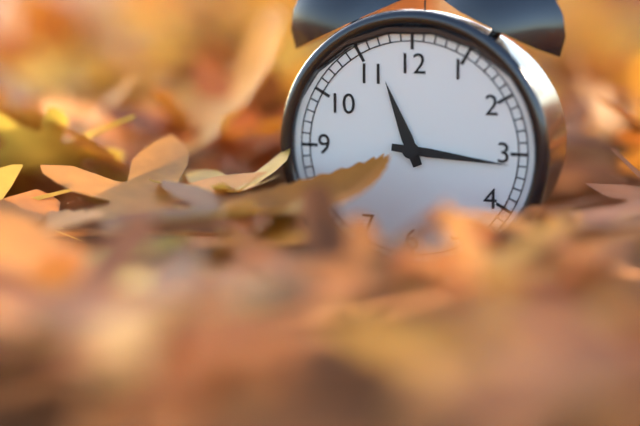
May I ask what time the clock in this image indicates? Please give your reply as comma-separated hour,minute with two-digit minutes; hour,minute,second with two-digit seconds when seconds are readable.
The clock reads 11,16
